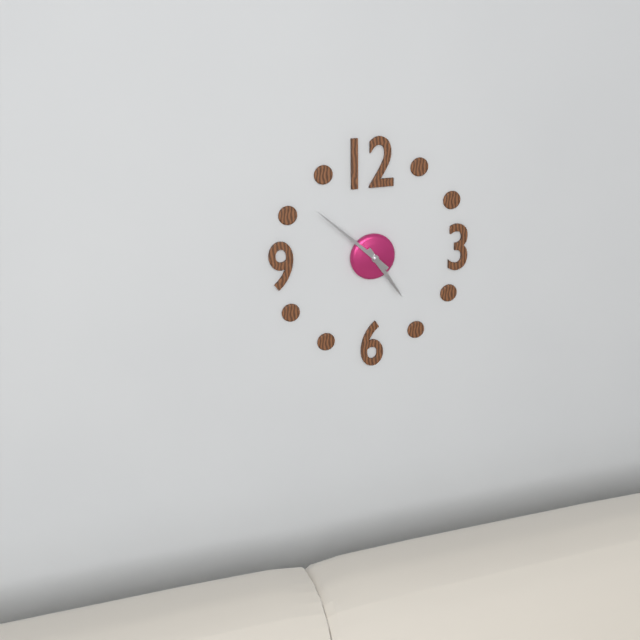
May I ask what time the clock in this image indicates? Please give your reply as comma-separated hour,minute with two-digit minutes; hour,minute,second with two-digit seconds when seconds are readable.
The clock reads 4,52
